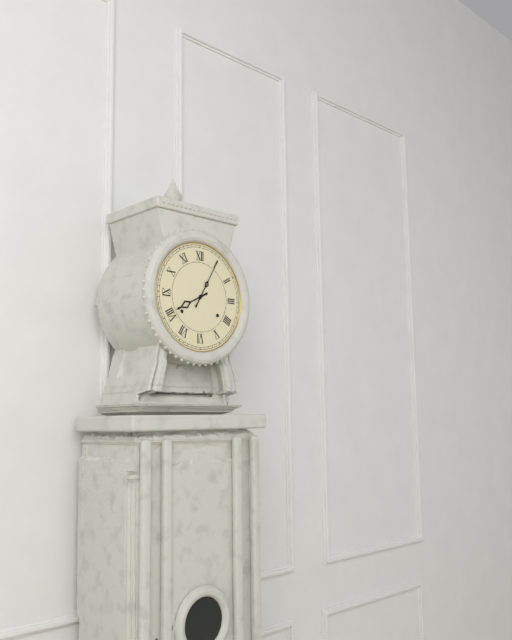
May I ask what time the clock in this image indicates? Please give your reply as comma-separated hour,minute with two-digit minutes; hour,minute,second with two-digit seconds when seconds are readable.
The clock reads 8,05
